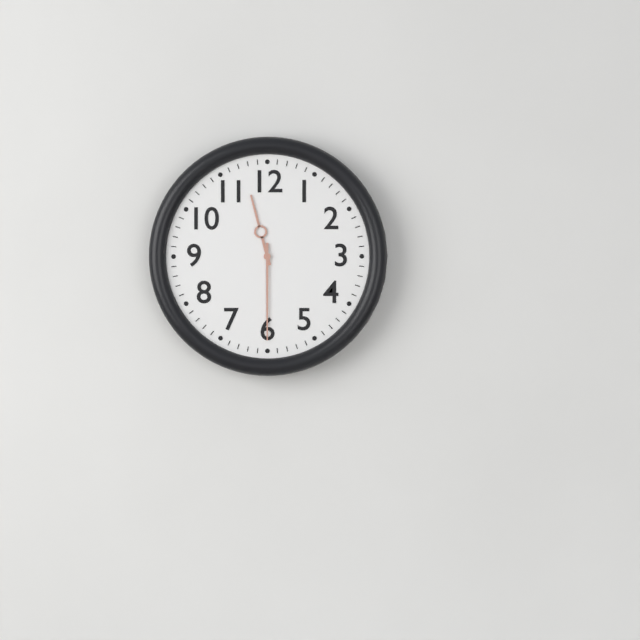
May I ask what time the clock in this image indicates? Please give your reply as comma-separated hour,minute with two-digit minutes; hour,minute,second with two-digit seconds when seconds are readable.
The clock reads 11,30
